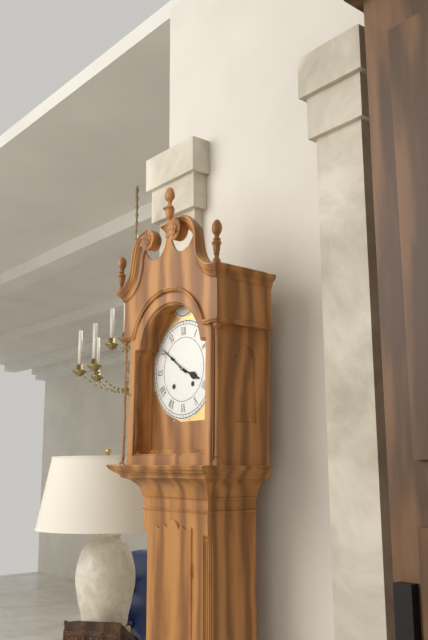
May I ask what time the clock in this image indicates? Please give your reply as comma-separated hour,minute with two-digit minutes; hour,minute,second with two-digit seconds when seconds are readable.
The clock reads 3,51
